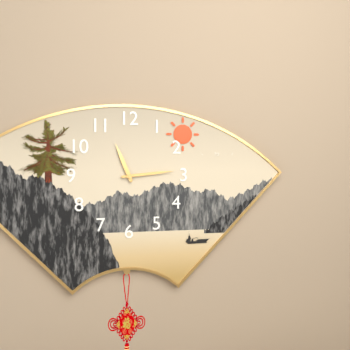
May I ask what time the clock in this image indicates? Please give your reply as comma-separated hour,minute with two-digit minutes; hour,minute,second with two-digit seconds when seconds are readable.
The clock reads 11,14
